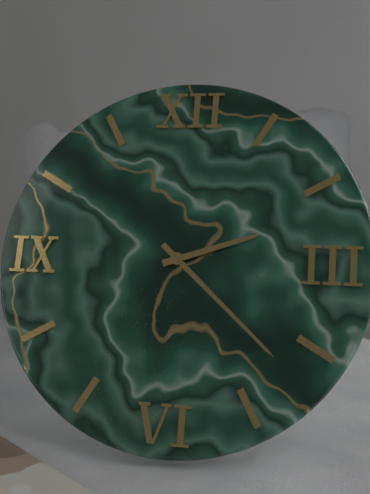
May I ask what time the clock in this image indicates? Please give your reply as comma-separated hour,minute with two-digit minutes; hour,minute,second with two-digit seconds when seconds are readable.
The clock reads 2,22
